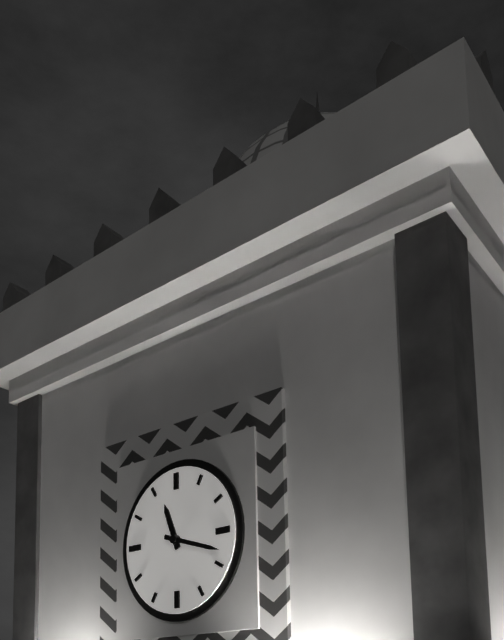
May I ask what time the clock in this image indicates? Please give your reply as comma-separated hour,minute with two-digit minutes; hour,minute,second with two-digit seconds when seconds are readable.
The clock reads 11,18
